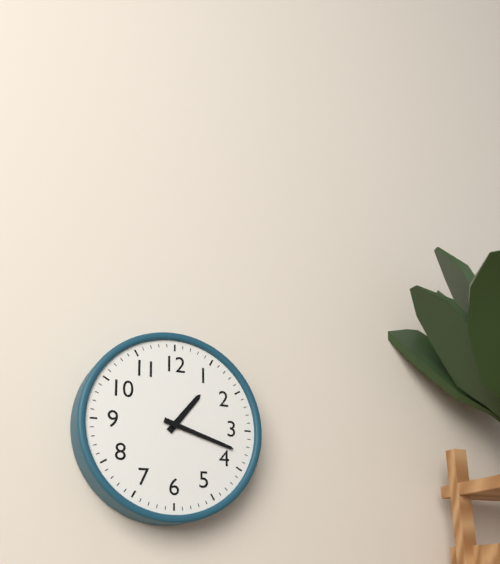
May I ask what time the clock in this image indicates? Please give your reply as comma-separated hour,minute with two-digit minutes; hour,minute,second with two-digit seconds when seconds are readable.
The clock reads 1,18
